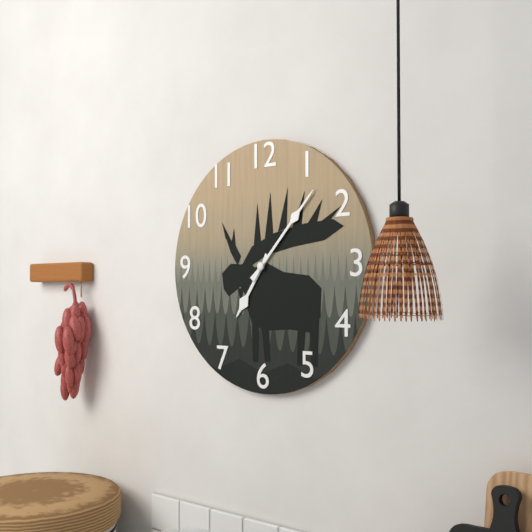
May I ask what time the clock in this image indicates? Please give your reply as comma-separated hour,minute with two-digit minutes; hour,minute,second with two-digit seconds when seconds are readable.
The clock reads 7,07
